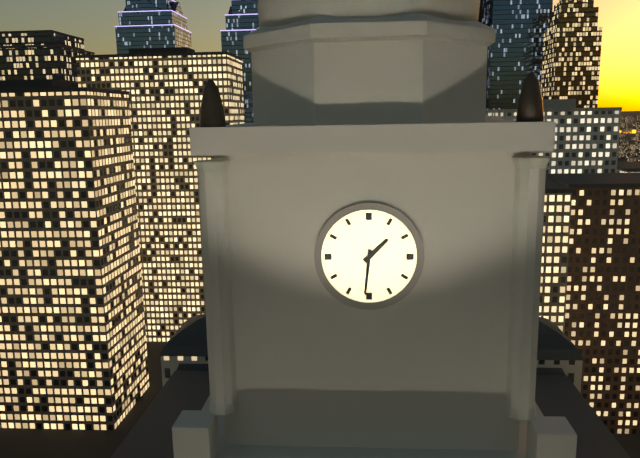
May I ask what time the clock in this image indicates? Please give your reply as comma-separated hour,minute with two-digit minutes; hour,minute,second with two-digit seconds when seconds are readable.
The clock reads 1,31
